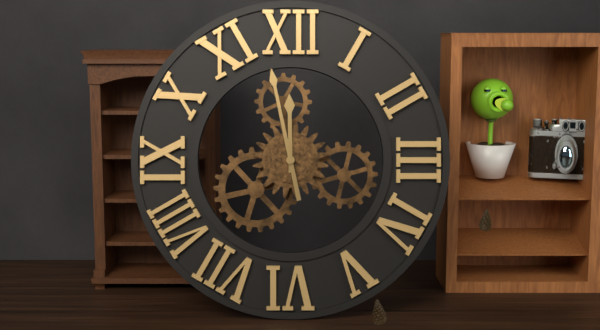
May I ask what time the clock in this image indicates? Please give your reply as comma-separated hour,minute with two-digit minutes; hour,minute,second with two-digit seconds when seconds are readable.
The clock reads 11,58
